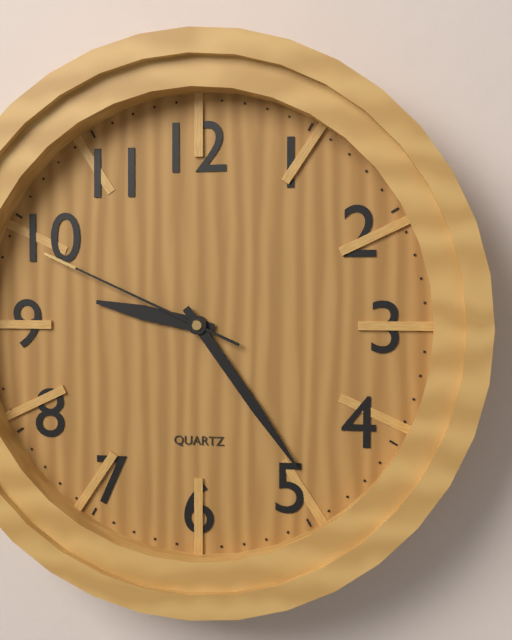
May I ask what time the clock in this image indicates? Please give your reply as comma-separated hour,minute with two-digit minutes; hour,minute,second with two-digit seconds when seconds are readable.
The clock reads 9,24,49
